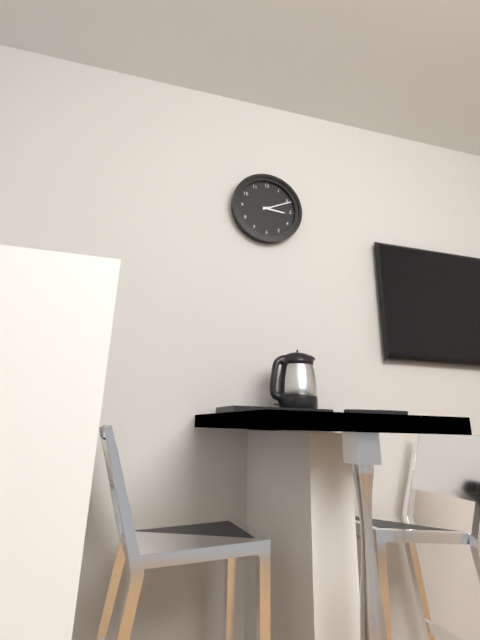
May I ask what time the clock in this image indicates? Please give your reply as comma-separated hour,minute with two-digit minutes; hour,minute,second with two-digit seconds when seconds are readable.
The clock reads 3,11
